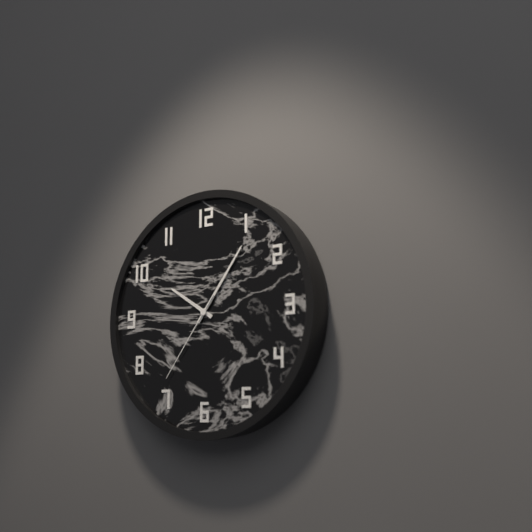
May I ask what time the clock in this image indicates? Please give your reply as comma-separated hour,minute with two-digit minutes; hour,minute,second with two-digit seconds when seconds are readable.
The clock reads 10,06,36
